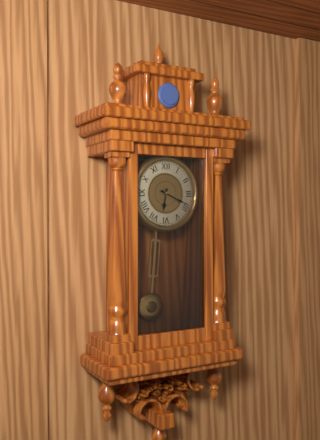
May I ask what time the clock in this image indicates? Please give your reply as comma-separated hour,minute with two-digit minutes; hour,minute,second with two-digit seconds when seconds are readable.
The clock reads 6,19
